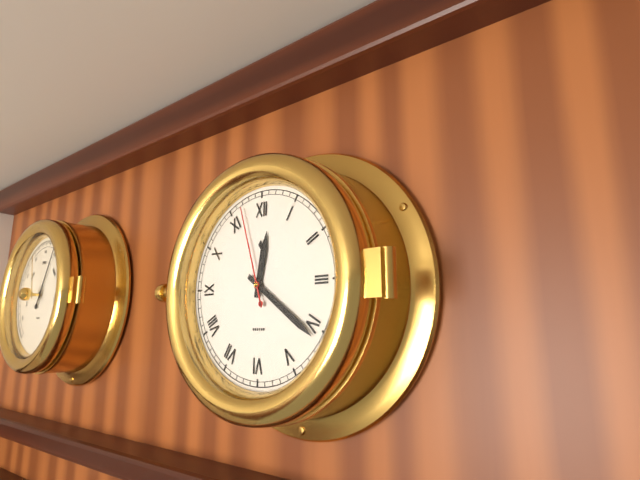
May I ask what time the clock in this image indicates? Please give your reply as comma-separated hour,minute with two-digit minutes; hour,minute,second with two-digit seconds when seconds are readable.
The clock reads 12,21,57
